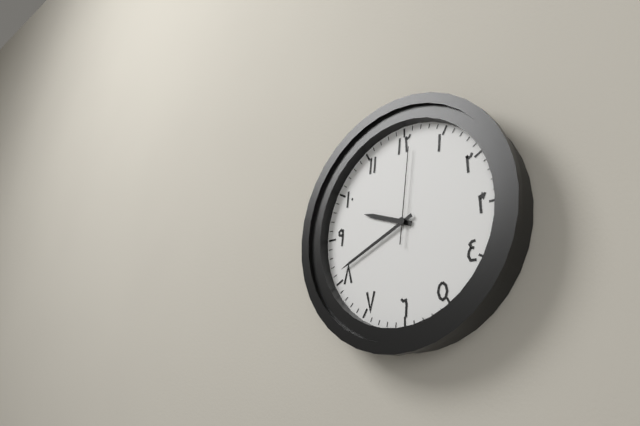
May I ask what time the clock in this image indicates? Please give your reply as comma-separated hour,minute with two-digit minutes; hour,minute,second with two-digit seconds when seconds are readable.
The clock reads 9,41,01
